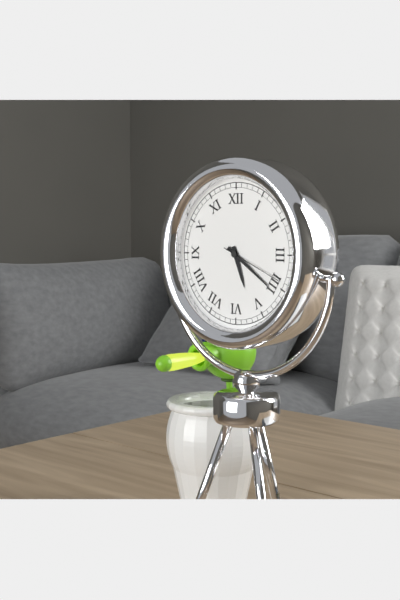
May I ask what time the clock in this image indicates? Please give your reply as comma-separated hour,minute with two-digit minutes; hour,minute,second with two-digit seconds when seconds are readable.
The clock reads 5,21,19
